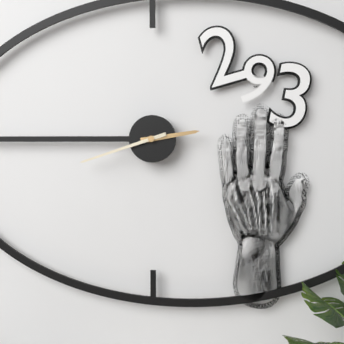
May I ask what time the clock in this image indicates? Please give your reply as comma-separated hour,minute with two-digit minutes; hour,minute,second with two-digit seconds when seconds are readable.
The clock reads 2,42
